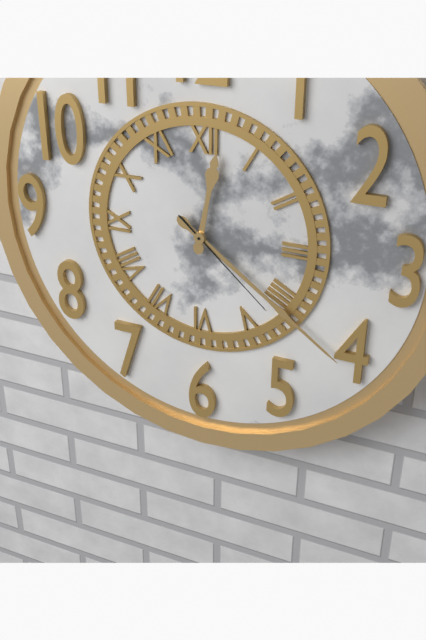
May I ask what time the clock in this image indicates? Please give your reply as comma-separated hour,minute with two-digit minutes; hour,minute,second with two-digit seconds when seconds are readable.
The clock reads 12,21,22
